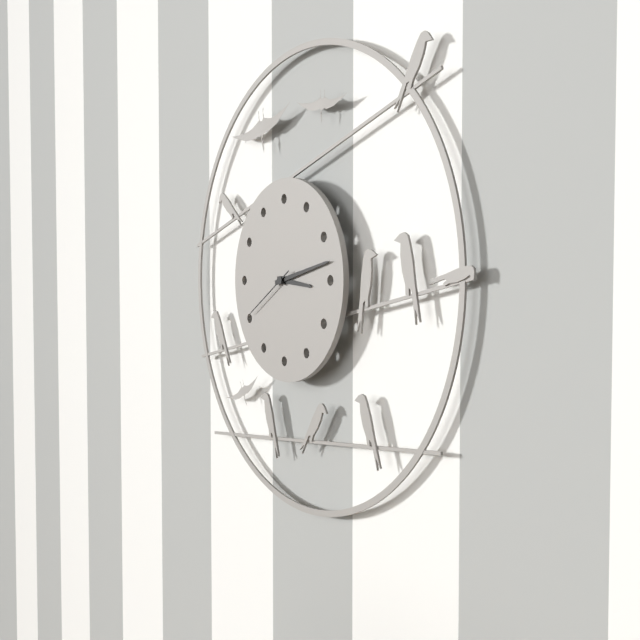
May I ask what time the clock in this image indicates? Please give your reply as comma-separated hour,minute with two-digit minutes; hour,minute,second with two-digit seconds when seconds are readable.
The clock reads 3,13,40
